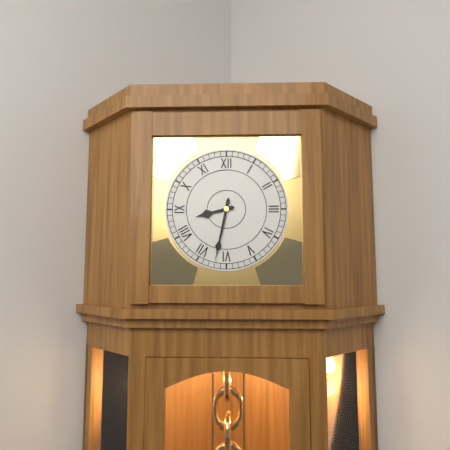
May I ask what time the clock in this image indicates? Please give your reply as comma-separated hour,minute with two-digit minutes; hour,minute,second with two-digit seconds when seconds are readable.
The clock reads 8,32
